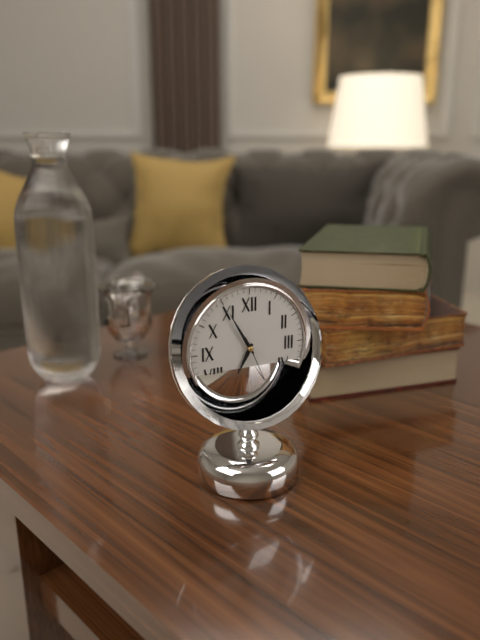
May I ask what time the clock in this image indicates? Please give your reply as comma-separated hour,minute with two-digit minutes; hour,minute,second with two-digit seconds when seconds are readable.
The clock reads 6,55
